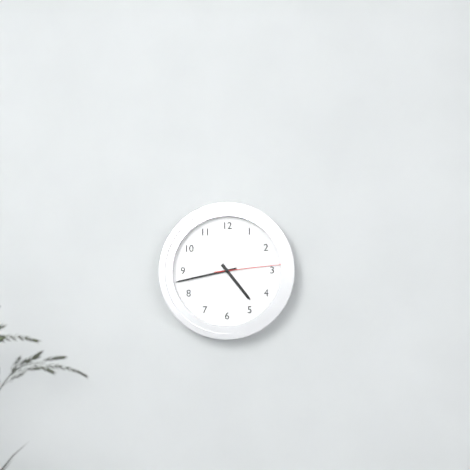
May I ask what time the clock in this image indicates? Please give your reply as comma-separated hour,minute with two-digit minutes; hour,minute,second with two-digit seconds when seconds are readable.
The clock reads 4,43,14
